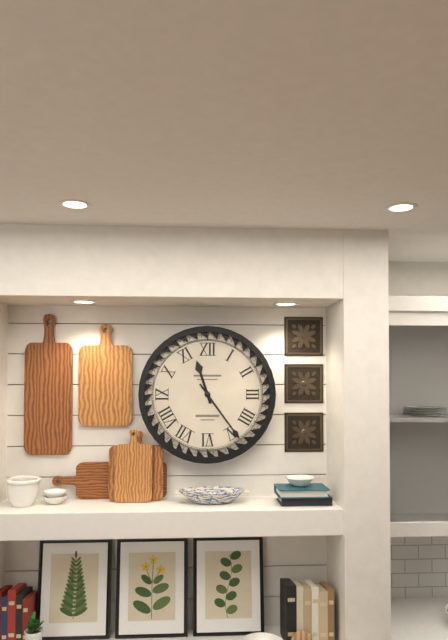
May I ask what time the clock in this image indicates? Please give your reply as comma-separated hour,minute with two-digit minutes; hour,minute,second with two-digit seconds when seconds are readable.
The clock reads 11,24
